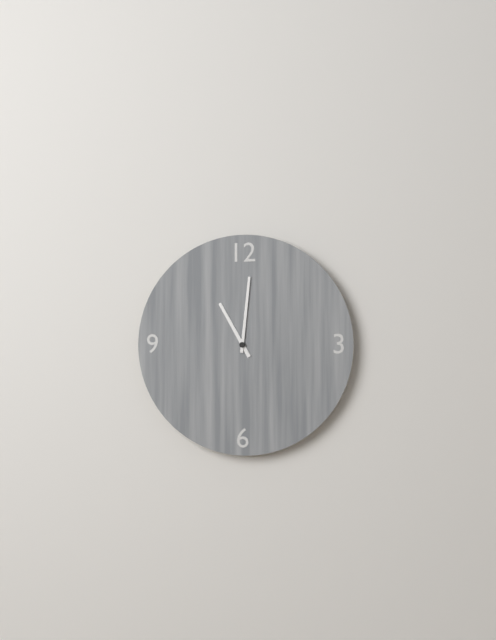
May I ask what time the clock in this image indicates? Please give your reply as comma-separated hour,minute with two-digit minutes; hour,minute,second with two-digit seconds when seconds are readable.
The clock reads 11,01
